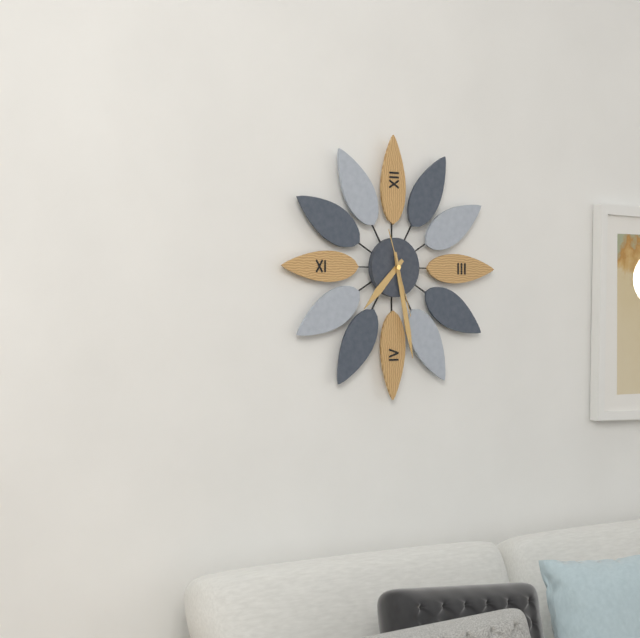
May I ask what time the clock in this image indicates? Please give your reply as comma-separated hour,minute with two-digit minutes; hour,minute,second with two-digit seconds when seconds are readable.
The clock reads 7,28,27
